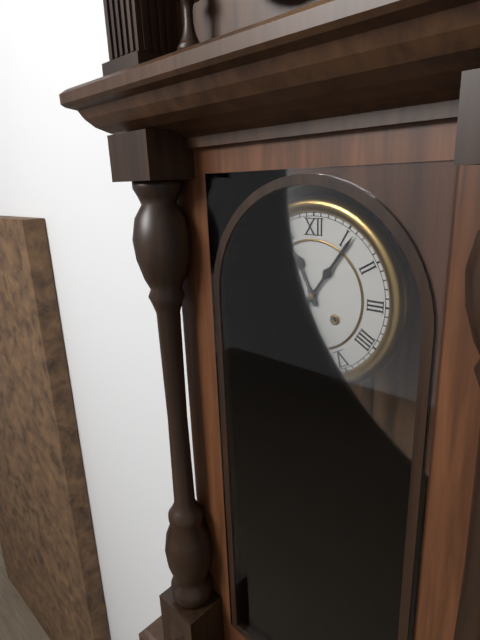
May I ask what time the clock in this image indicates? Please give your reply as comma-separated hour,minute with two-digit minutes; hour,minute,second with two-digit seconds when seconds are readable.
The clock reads 11,06
